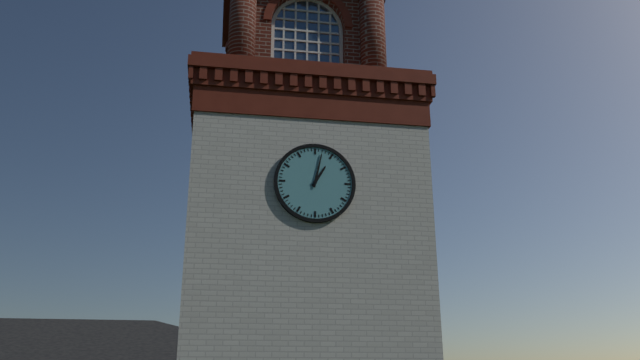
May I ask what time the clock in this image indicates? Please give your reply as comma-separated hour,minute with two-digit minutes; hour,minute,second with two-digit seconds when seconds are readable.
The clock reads 1,02
